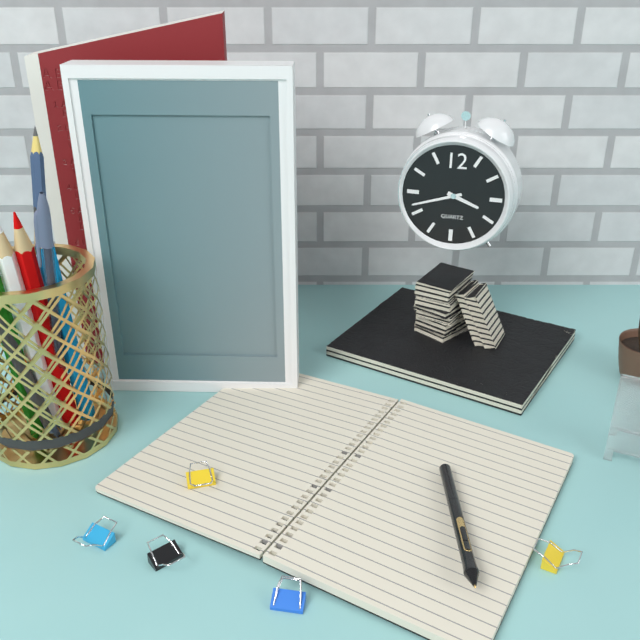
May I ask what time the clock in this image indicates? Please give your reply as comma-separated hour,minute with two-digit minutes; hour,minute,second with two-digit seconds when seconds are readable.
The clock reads 3,42
